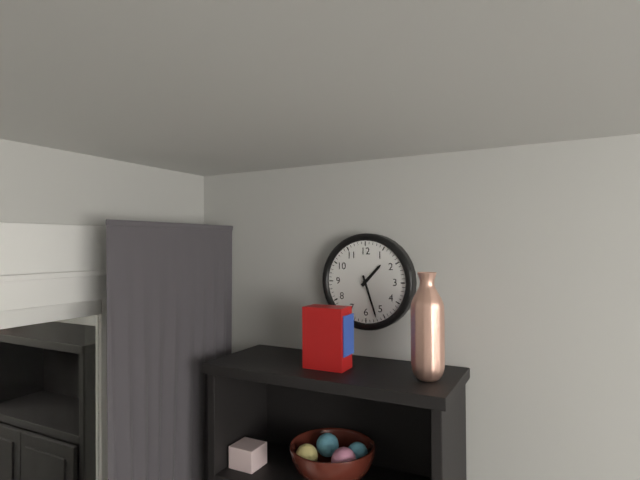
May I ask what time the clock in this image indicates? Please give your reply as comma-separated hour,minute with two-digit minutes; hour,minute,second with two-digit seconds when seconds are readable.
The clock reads 1,27
